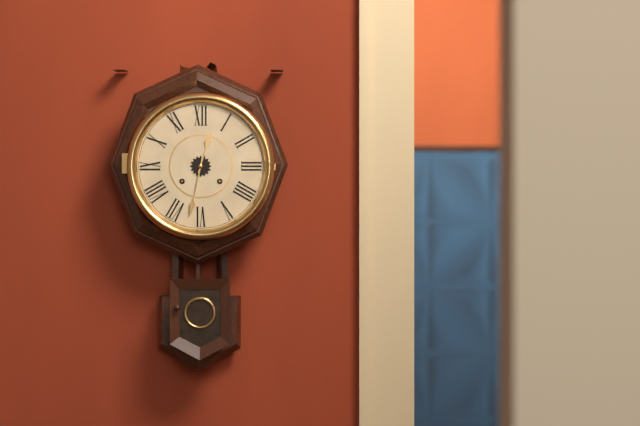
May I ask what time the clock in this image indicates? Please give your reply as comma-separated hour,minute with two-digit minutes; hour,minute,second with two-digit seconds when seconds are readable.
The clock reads 12,32
